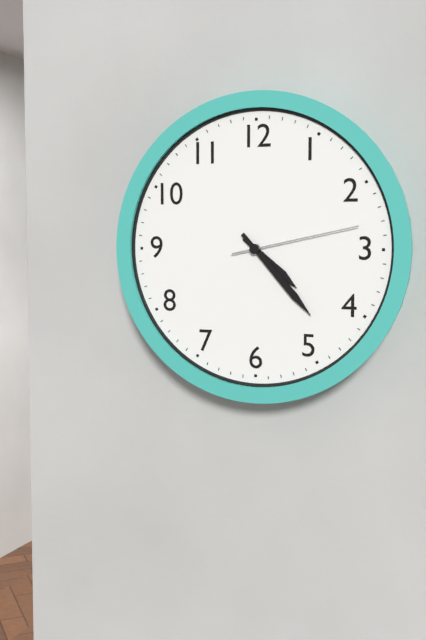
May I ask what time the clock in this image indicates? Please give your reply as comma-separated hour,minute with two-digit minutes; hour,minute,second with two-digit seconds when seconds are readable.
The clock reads 4,23,13
